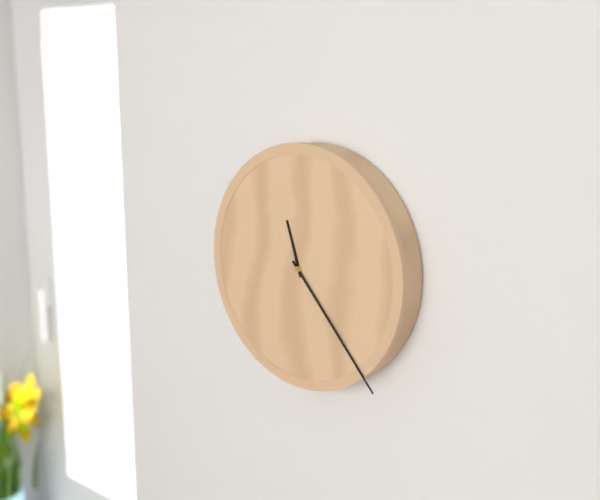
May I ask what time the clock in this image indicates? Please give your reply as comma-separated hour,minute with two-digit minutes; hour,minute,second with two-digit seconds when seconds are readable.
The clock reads 11,23
